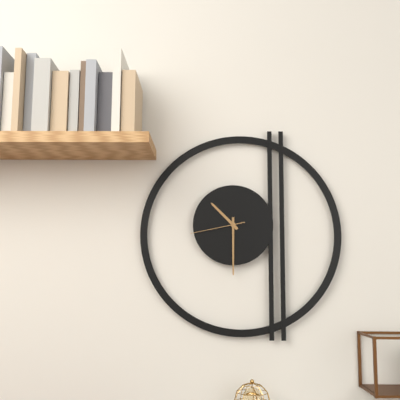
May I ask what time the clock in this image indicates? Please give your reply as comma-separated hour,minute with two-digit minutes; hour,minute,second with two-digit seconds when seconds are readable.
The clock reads 10,30,43
